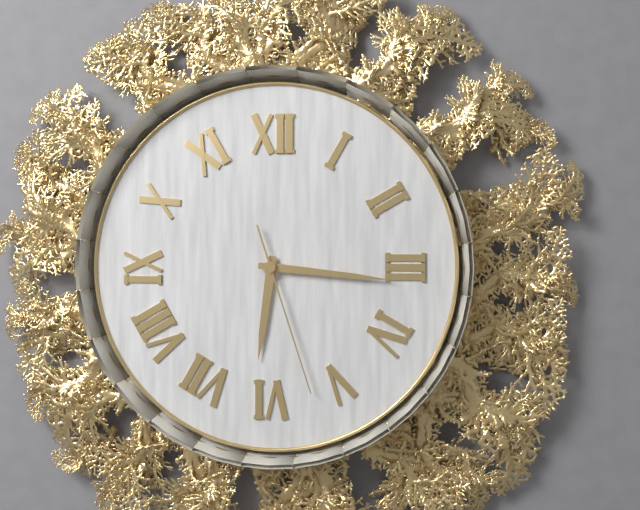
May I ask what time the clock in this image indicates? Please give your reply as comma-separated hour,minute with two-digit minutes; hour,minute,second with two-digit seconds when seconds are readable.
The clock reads 6,16,27
